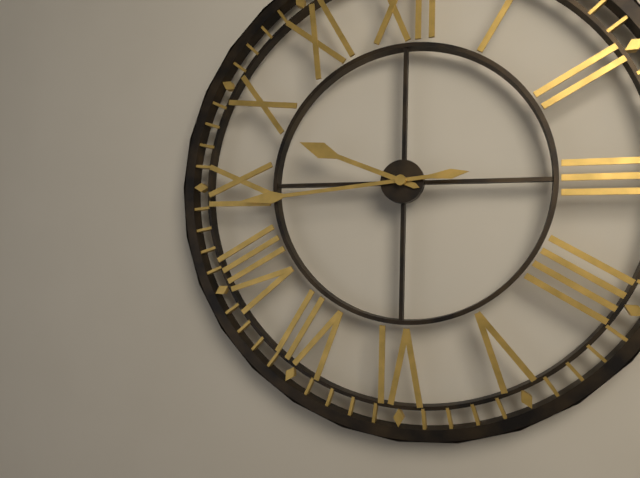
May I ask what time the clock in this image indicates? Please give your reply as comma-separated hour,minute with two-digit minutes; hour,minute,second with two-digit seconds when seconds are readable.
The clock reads 9,44
